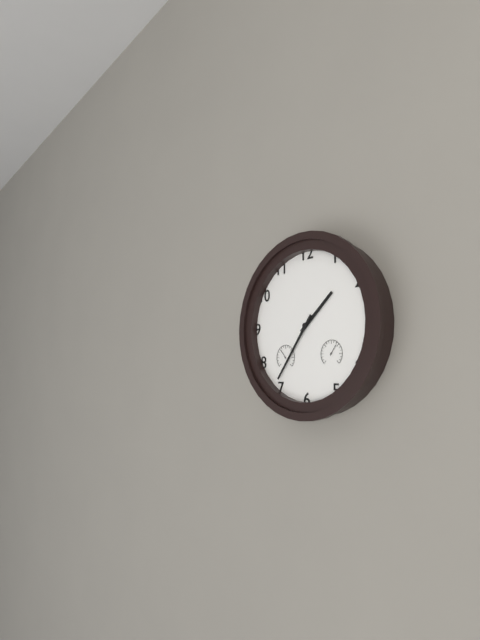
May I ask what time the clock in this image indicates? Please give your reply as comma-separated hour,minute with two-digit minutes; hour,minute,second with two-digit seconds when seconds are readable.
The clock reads 1,36
